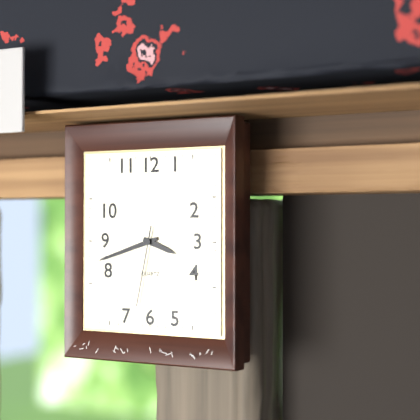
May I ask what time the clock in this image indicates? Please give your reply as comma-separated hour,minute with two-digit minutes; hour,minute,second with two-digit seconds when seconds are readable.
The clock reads 3,42,32
